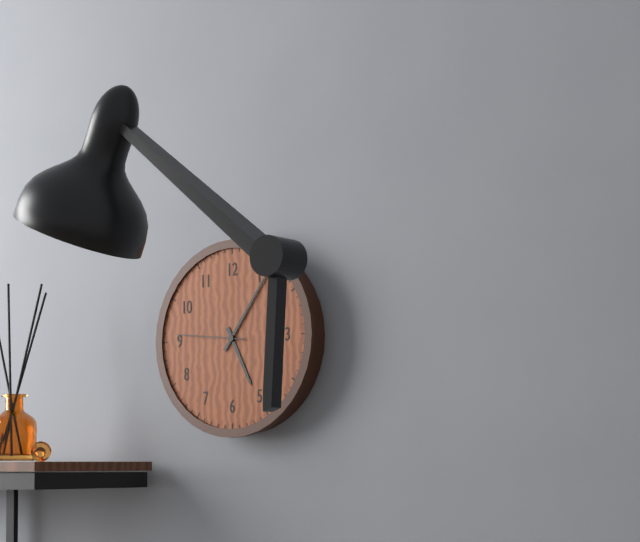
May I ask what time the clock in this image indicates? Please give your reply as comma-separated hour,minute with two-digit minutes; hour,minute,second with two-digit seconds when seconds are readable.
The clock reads 5,06,46
